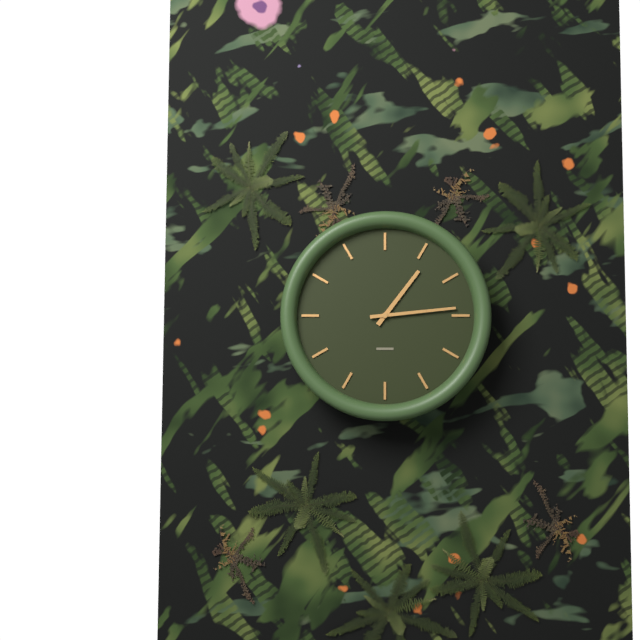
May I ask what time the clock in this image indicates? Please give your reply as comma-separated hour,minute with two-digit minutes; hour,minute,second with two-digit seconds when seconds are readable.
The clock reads 1,14
